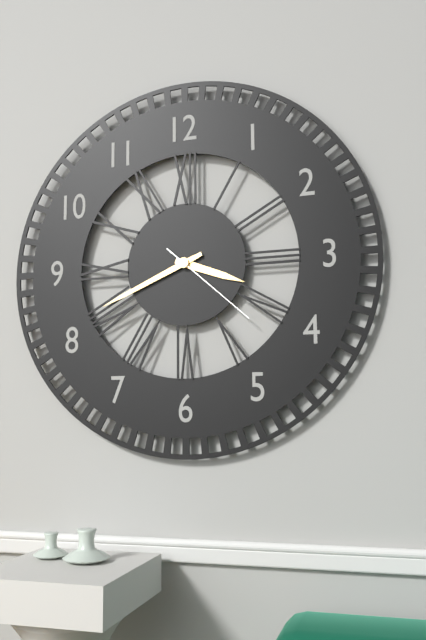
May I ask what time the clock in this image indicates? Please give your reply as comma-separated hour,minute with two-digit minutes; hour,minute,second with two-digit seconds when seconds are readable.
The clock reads 3,41,22
